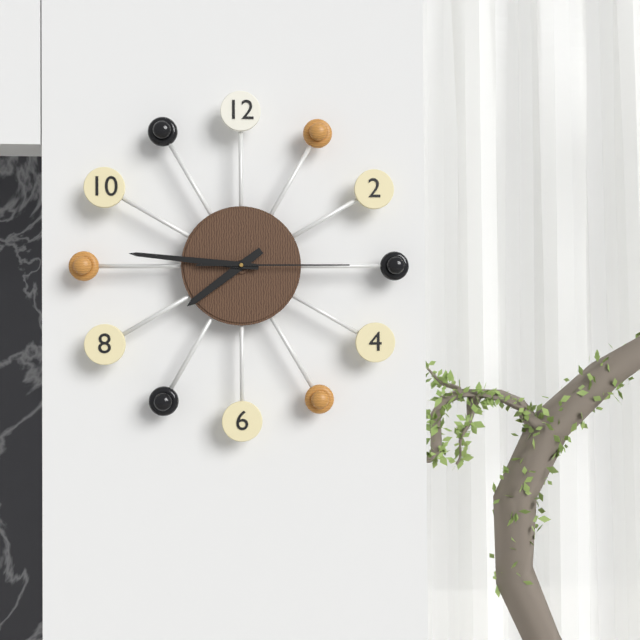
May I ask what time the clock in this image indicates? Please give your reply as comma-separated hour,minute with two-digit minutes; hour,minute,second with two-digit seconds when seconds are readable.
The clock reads 7,46,15
